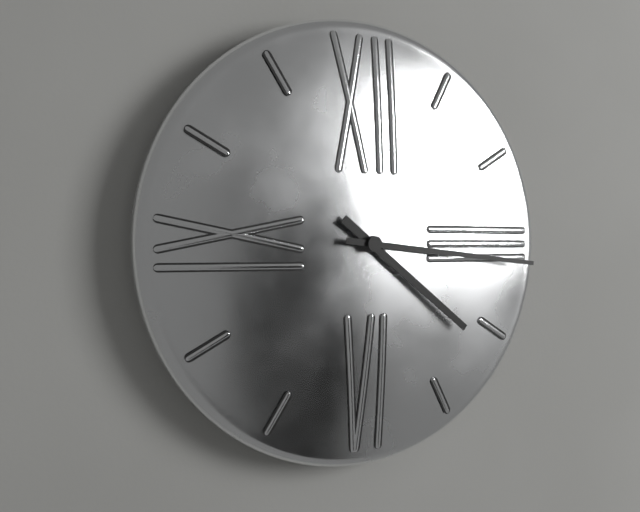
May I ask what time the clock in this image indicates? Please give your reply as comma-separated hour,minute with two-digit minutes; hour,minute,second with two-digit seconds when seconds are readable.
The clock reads 4,16
